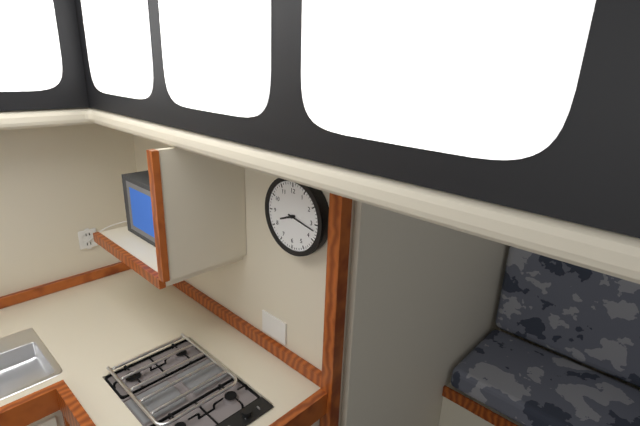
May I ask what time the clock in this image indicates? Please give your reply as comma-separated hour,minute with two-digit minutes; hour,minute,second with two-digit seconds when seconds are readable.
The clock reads 8,17
